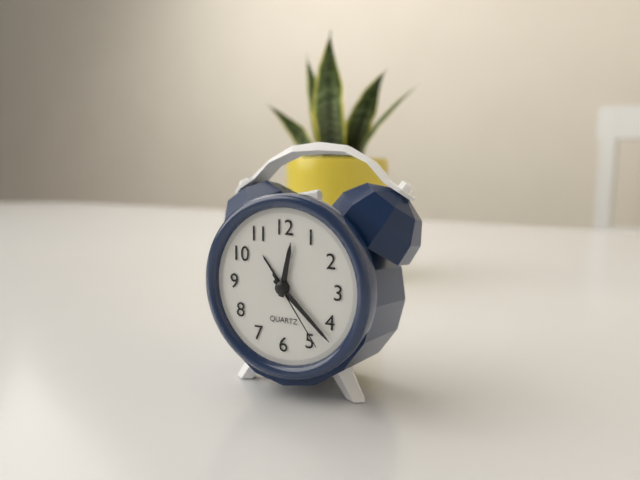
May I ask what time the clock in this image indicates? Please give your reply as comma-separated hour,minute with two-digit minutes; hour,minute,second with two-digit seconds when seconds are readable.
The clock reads 12,22,24
